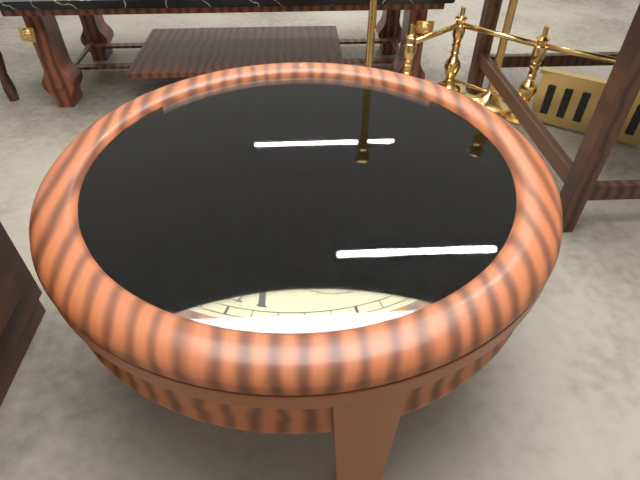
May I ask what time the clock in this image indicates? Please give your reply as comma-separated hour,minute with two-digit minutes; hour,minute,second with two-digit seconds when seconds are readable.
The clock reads 10,12
